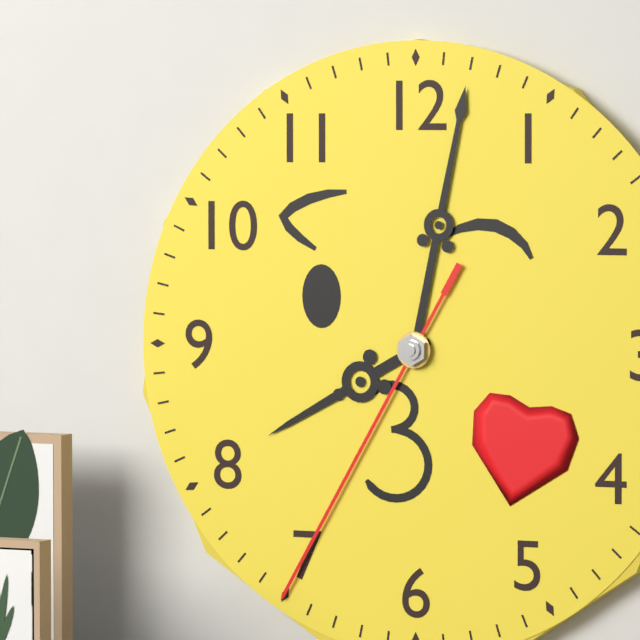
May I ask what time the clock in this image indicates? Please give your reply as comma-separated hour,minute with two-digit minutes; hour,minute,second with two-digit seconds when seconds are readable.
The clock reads 8,02,35
